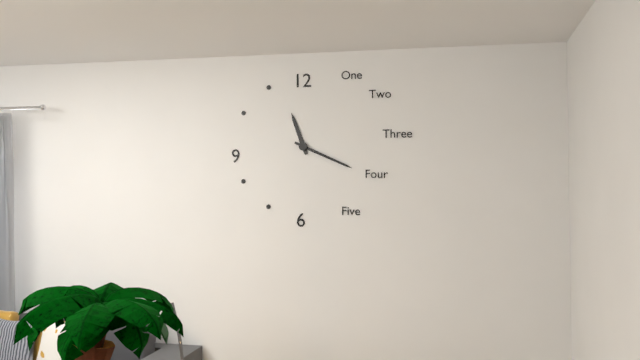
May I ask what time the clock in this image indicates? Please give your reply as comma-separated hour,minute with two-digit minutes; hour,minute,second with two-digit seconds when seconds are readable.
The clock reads 11,19
